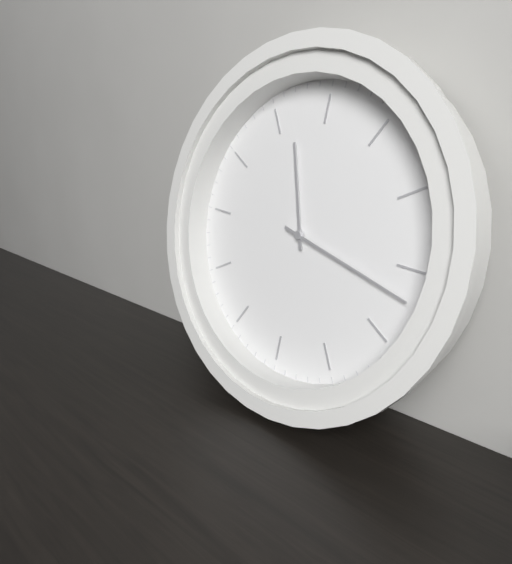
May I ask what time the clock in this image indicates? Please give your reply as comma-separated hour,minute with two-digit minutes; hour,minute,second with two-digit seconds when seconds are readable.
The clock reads 12,22
